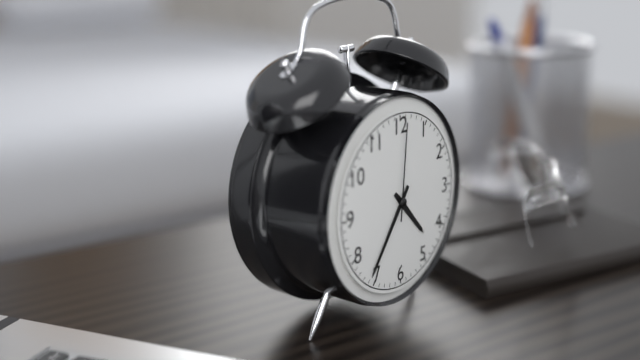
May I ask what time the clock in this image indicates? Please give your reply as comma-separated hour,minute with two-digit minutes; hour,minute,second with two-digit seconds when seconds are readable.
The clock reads 4,36,01
